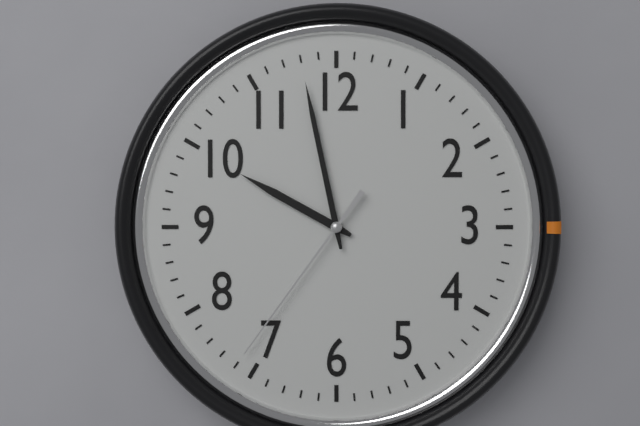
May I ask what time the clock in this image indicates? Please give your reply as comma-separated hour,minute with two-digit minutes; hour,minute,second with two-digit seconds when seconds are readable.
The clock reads 9,58,36
